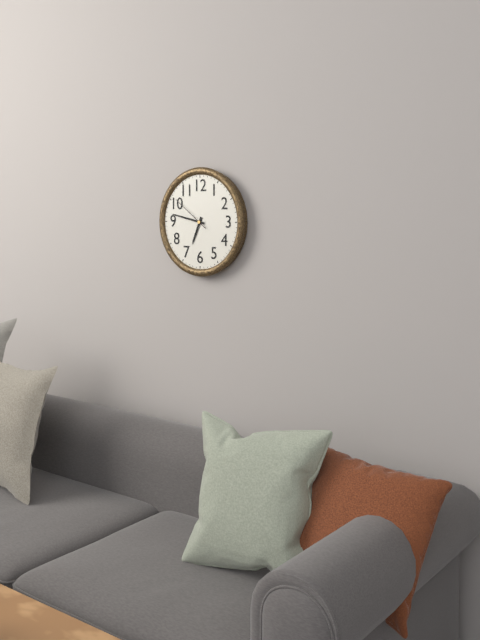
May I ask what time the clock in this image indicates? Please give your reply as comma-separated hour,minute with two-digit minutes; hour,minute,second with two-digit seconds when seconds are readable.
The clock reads 6,47
